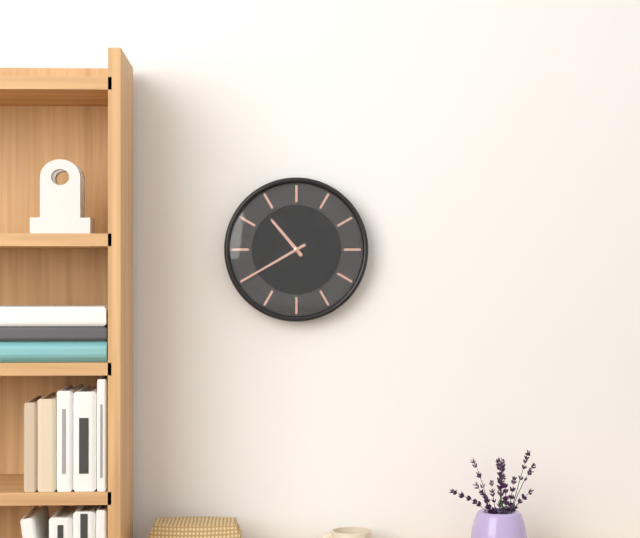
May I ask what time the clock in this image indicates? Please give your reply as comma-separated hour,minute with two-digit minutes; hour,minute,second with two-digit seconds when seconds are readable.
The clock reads 10,40
